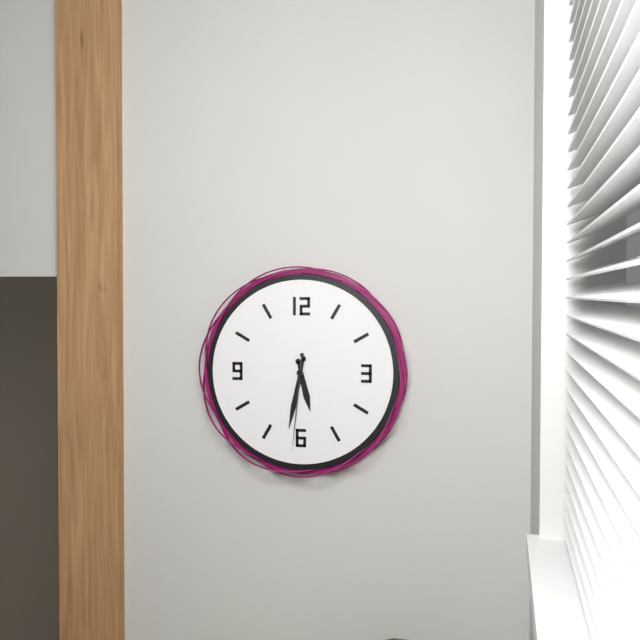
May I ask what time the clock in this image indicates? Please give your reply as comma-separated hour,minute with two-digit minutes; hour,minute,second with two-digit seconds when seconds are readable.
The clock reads 5,32,31
